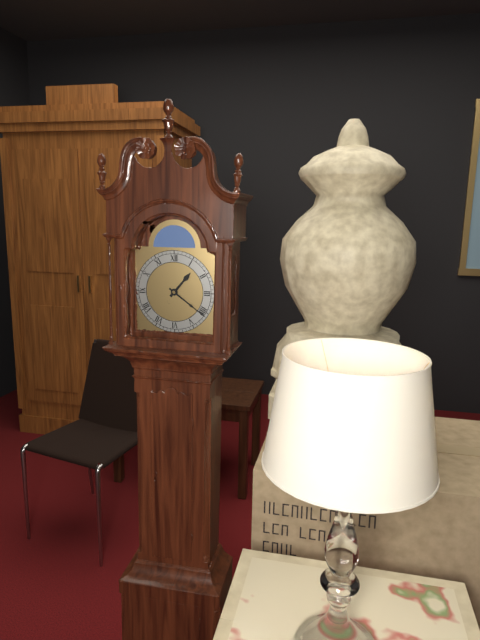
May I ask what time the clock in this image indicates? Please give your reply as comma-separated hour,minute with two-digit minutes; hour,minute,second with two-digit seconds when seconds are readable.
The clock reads 1,21
